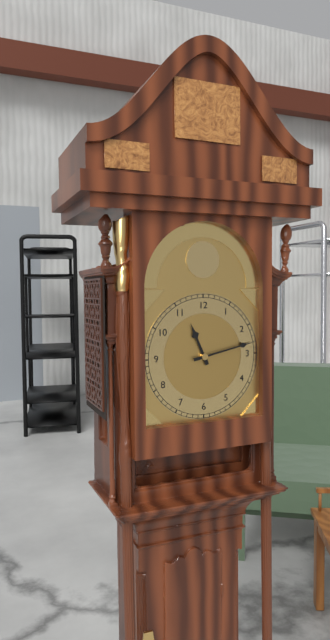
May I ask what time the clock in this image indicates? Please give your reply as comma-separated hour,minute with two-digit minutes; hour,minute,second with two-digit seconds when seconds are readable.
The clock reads 11,13
